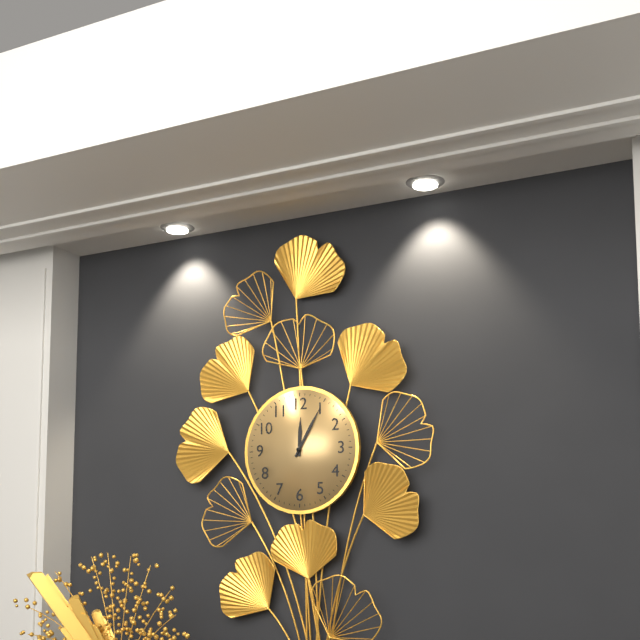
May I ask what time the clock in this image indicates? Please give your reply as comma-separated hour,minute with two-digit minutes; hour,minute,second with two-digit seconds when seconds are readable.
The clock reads 12,05
